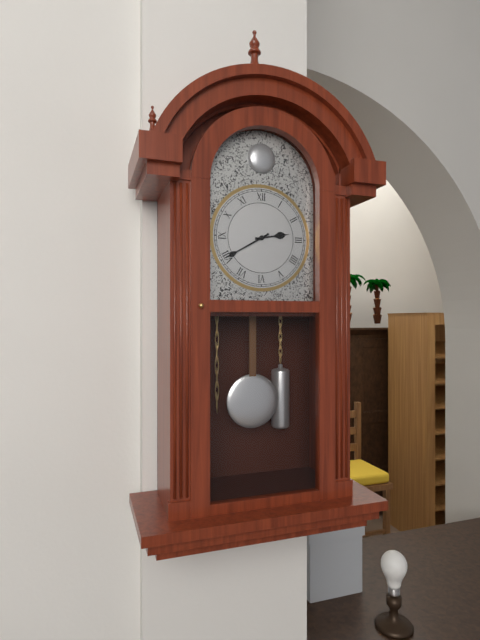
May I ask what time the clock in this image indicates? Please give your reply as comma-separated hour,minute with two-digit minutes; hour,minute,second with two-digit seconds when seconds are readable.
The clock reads 2,40
